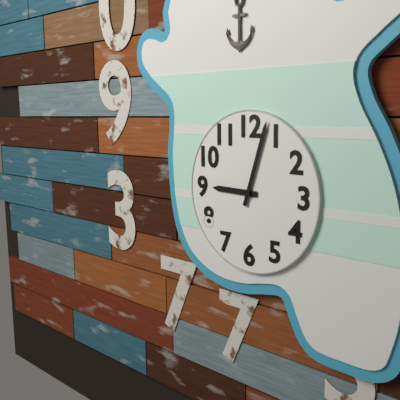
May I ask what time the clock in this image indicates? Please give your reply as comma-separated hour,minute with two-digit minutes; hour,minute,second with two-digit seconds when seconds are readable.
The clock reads 9,03
